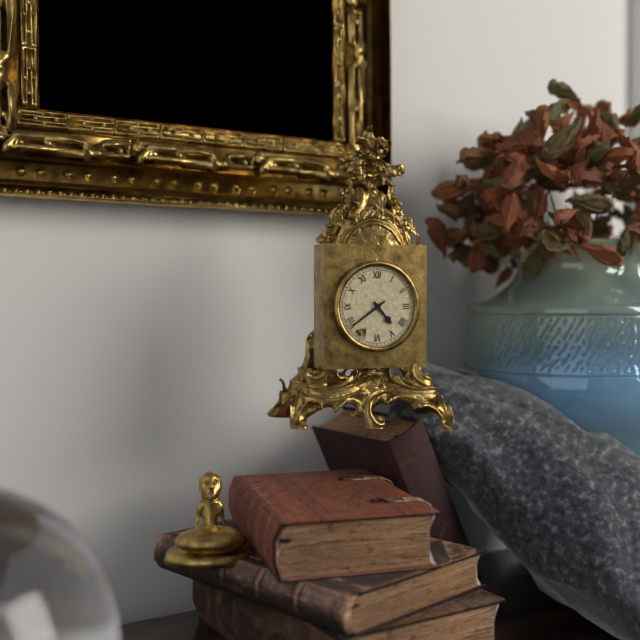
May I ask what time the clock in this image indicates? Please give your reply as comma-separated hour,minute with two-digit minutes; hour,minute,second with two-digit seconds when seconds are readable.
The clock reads 4,39
